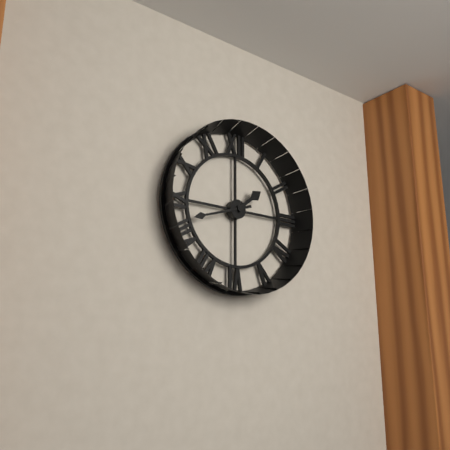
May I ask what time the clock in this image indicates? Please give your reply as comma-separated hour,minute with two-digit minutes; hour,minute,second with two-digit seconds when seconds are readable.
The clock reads 1,42
